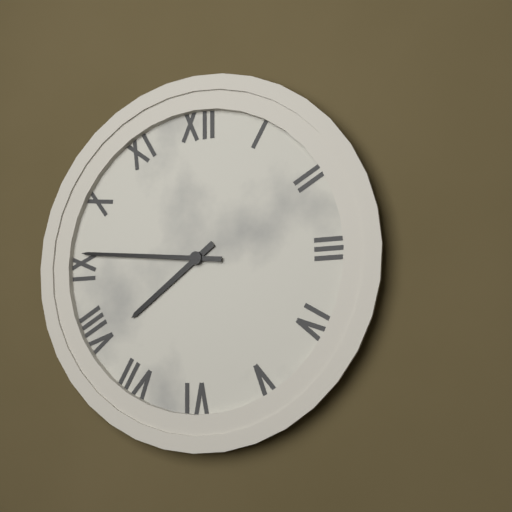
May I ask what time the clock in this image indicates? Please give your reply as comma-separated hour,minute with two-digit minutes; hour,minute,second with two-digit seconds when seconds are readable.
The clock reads 7,46
